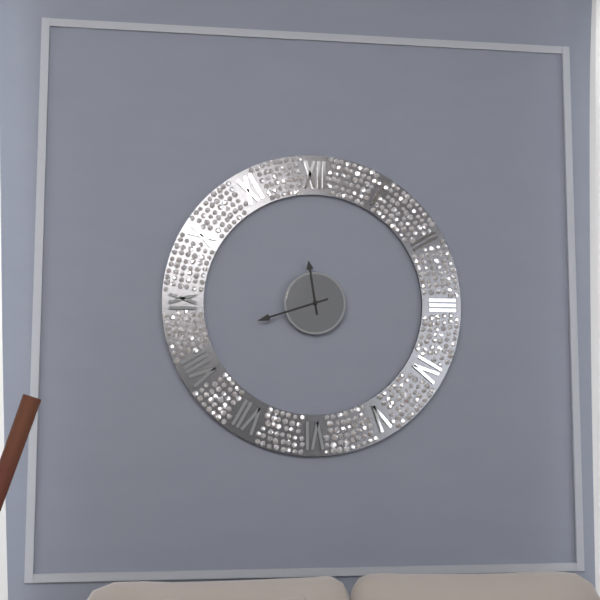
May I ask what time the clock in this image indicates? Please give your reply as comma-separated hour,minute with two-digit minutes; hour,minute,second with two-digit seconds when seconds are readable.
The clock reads 11,42
